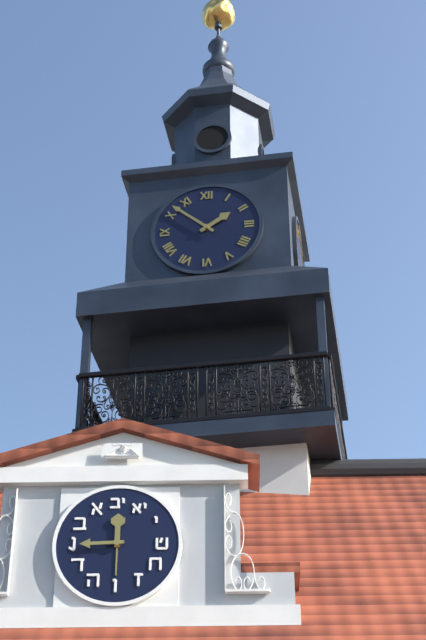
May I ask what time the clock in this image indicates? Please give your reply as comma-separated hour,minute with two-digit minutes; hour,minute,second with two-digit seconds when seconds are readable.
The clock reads 1,52
